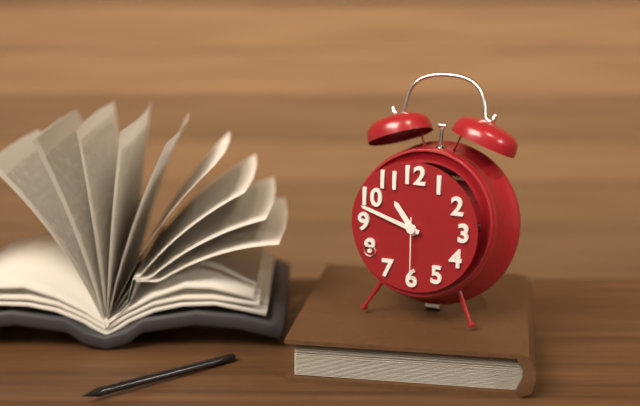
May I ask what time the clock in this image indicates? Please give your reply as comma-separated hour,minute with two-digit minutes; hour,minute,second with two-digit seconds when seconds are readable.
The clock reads 10,48,30
